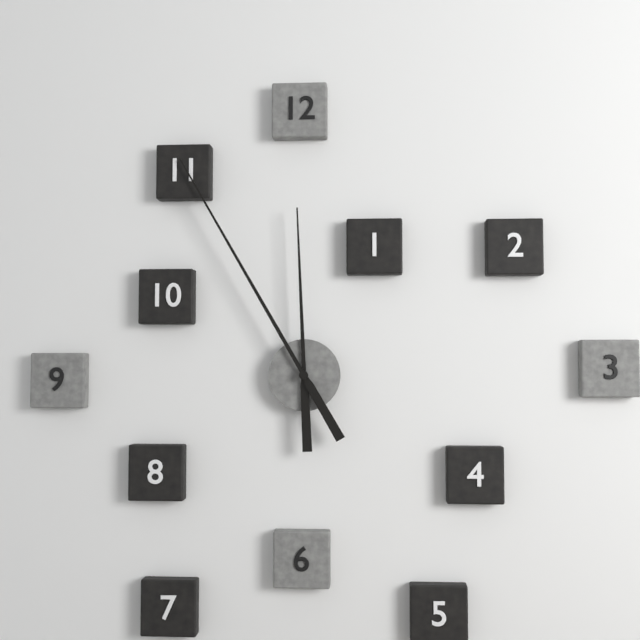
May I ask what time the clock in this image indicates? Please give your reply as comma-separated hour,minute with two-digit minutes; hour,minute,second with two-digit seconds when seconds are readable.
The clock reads 11,55
